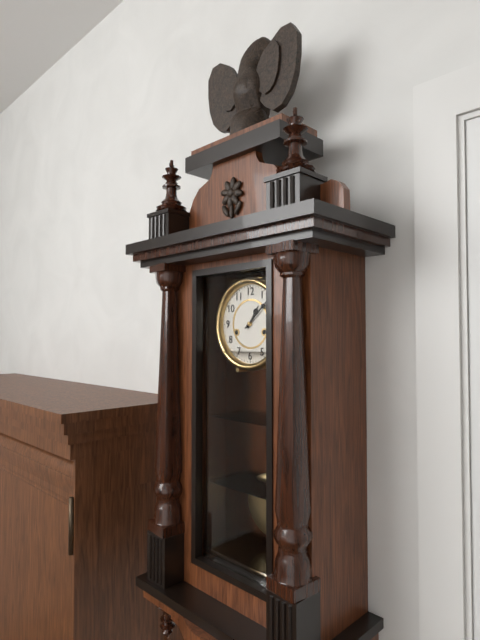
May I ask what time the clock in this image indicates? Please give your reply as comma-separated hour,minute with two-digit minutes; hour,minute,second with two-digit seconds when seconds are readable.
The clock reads 1,08
